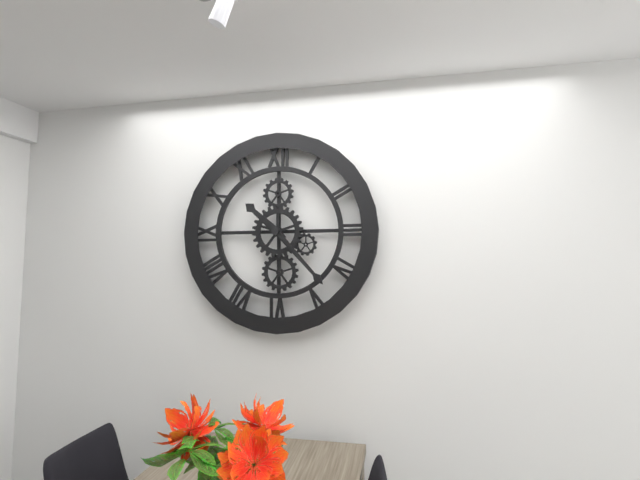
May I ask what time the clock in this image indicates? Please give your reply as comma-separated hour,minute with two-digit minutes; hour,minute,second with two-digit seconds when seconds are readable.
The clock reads 10,23
